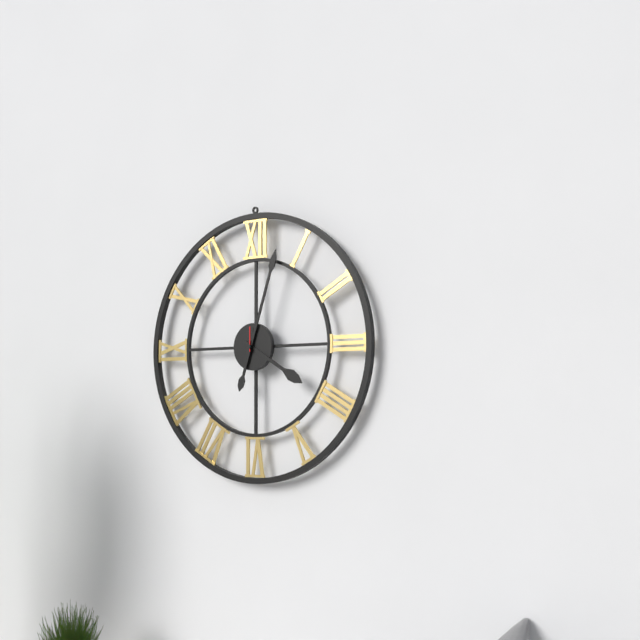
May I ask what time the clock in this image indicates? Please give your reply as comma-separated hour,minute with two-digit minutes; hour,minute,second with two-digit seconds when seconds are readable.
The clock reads 4,03
